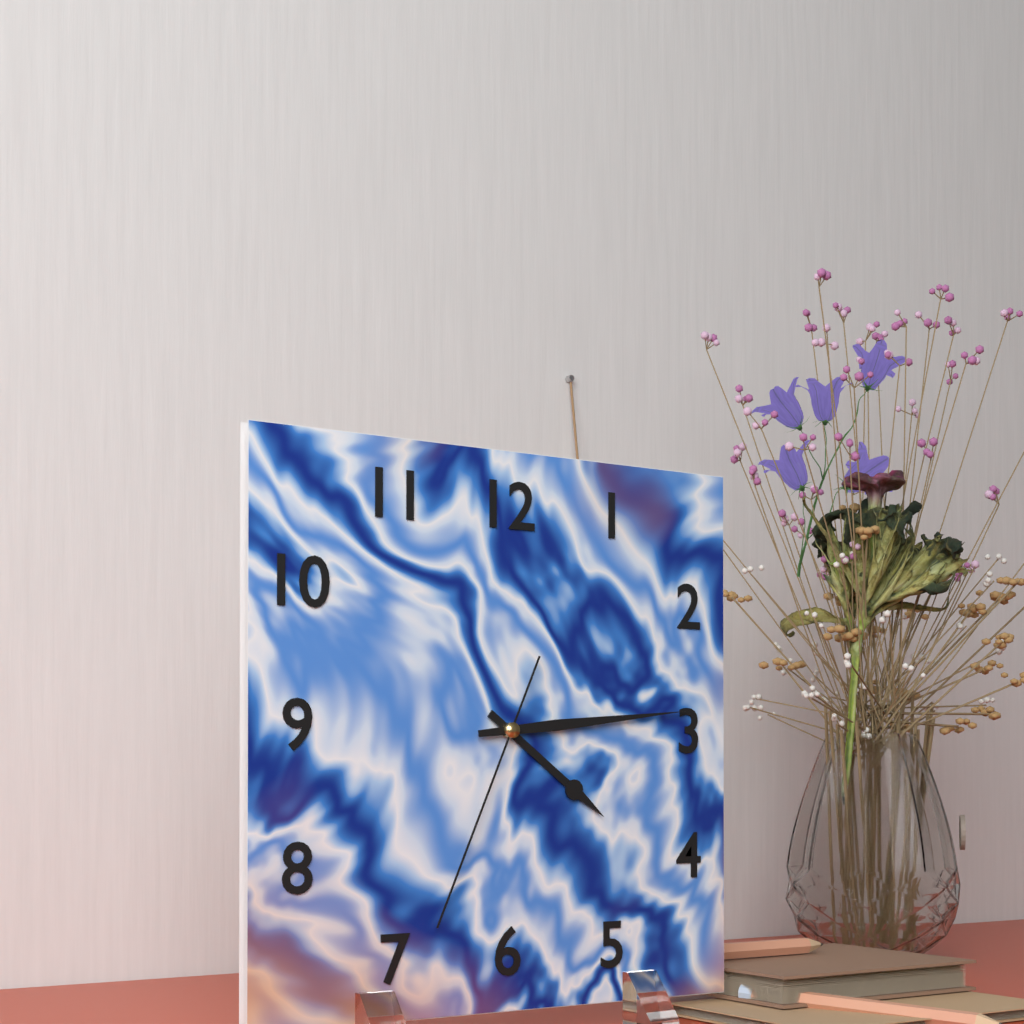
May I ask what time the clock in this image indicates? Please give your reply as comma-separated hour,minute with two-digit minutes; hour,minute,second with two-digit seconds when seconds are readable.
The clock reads 4,14,34
